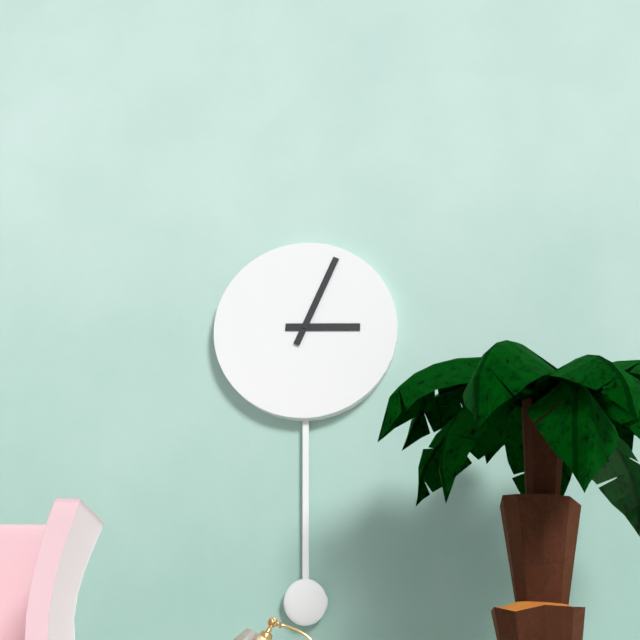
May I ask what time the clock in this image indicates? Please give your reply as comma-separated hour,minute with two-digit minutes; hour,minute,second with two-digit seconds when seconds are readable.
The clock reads 3,04
